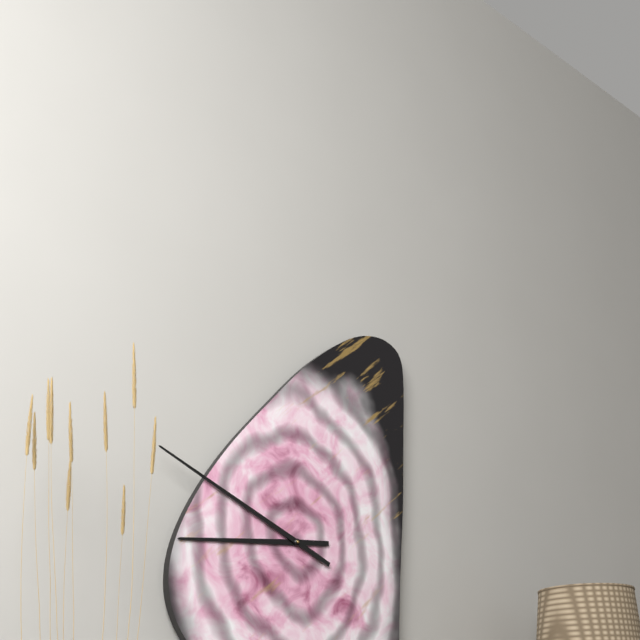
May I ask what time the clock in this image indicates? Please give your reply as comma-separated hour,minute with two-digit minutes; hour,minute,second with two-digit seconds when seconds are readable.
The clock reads 8,49
